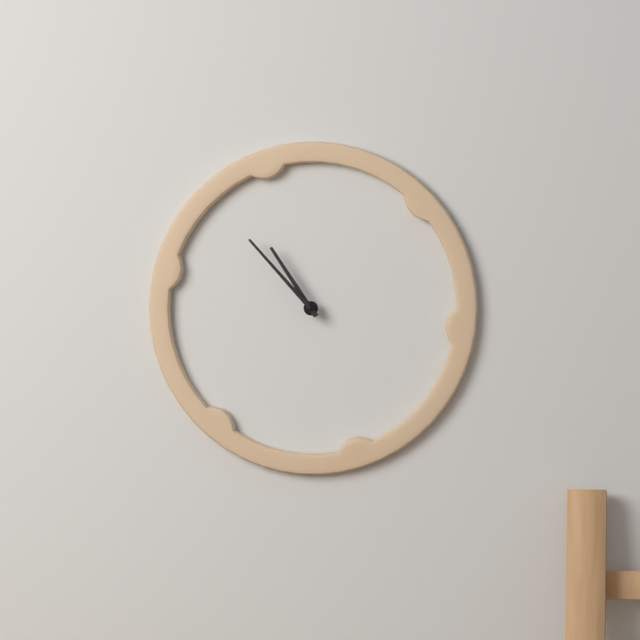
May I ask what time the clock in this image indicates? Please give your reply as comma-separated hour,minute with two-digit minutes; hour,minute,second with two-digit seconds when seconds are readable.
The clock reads 10,53
